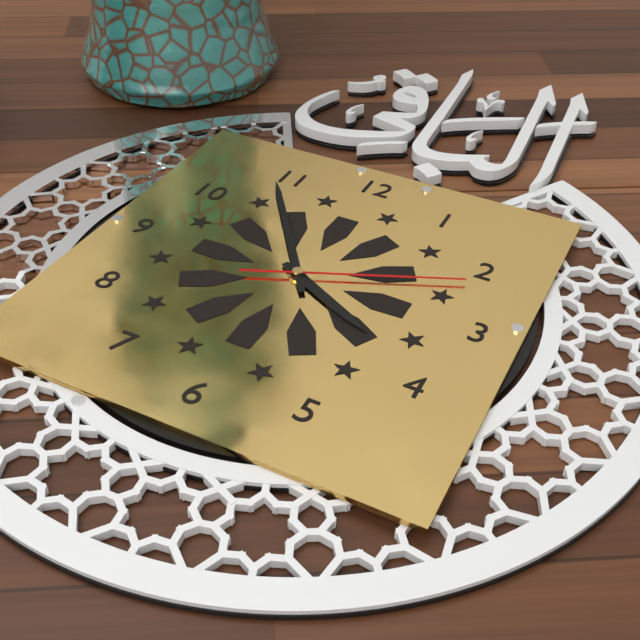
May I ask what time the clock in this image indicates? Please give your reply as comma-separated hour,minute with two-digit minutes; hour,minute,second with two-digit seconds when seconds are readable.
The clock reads 3,54,11
